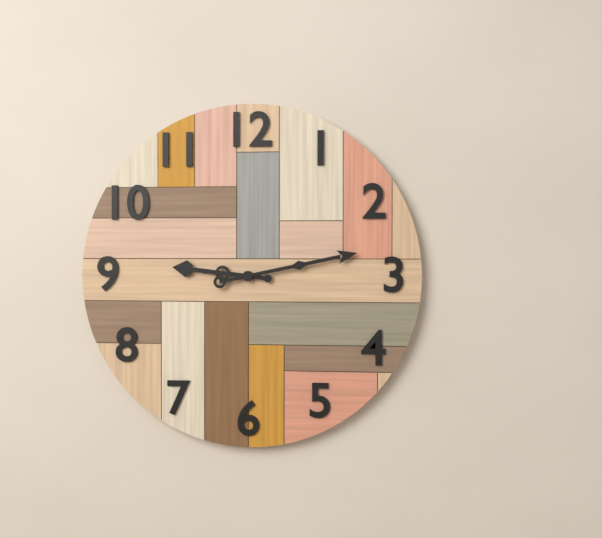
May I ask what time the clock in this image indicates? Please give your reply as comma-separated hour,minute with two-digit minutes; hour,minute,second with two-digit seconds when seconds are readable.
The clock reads 9,13
